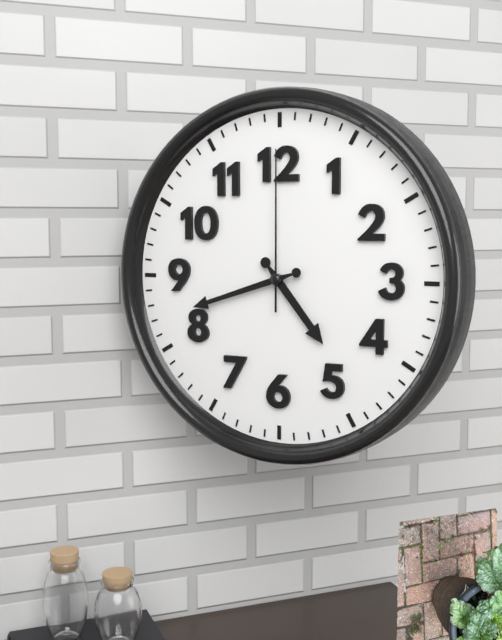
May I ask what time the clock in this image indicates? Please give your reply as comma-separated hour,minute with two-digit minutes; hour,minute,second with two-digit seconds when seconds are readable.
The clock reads 4,42,00
